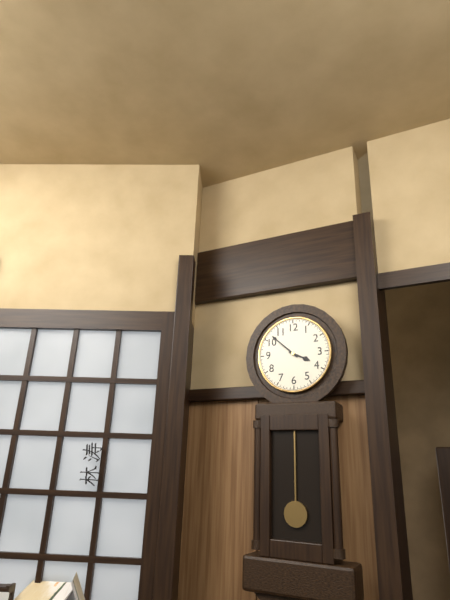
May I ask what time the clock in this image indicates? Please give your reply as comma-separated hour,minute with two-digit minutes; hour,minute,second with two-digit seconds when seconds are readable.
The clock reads 3,52
